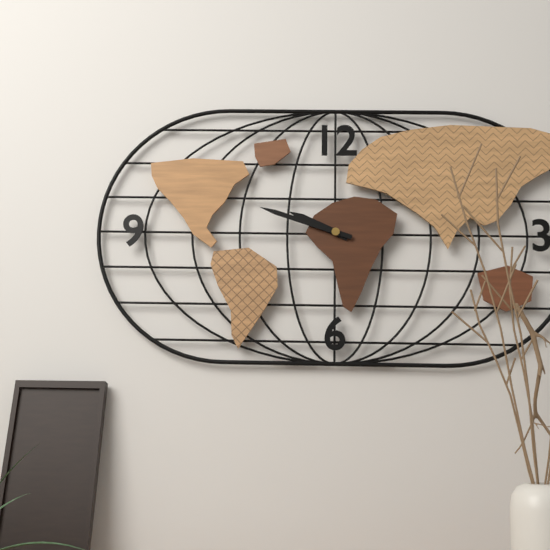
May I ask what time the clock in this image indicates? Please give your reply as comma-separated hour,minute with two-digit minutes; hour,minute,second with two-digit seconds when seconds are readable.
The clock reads 9,48
